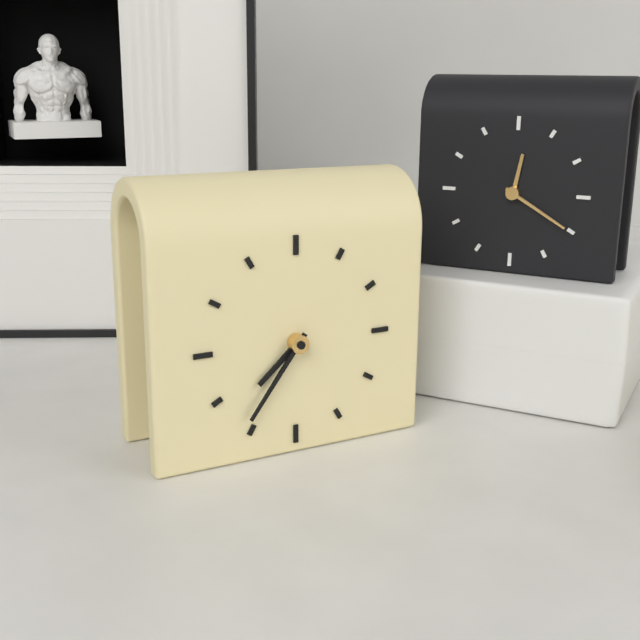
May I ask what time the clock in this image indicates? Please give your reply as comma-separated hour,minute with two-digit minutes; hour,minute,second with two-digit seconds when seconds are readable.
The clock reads 7,36
